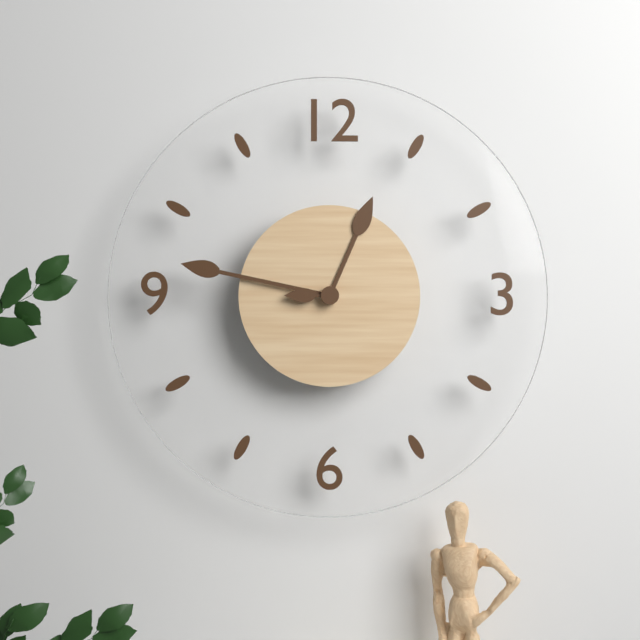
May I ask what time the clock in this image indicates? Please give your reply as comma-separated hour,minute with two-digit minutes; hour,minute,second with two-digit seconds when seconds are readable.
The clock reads 12,47,45
